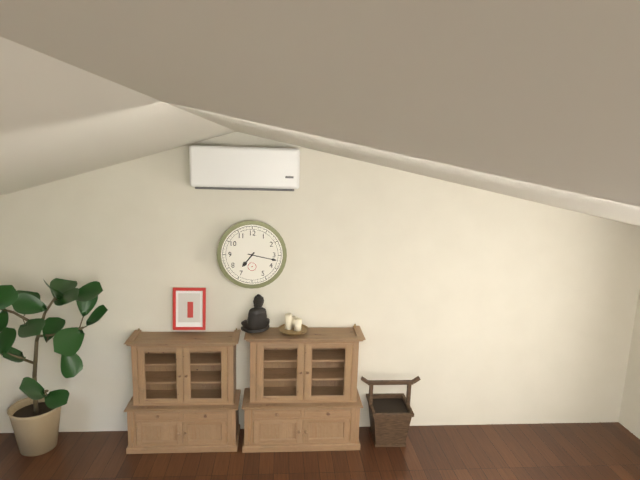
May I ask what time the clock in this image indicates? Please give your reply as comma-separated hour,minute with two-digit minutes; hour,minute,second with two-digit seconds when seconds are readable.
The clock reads 7,17
